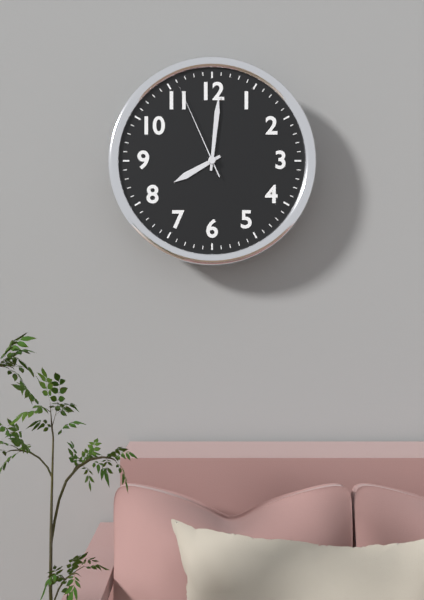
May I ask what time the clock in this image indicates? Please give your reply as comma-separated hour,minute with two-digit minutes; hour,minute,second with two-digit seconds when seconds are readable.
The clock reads 8,01,56
